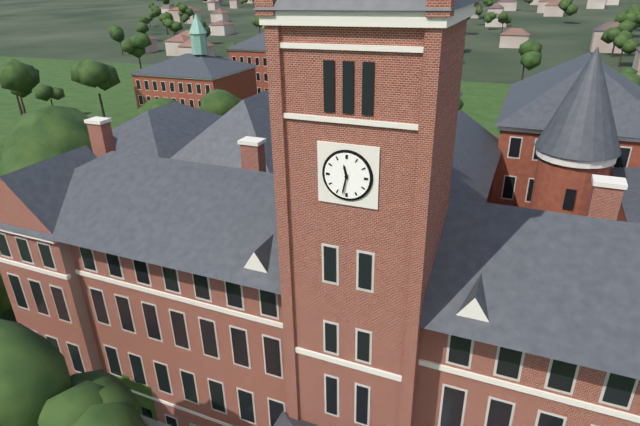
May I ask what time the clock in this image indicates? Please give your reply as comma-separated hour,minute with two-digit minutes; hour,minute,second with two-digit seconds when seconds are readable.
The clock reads 11,32
